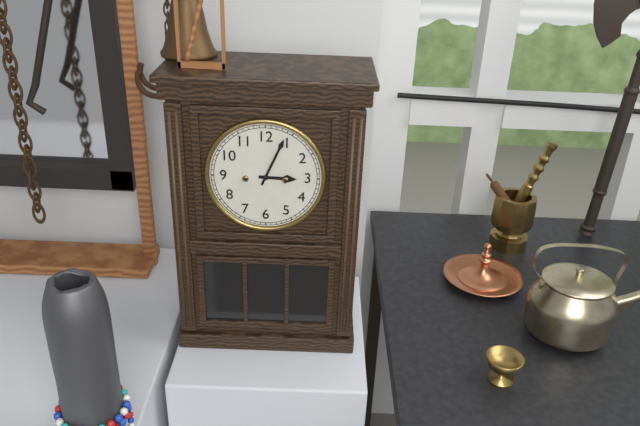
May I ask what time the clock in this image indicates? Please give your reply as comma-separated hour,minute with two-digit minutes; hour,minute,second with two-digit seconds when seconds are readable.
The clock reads 3,04
